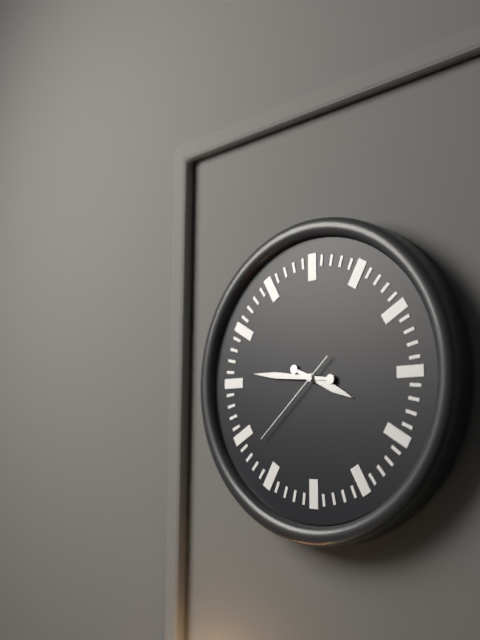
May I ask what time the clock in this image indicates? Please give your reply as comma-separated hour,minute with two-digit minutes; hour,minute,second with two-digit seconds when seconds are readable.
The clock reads 3,46,38
